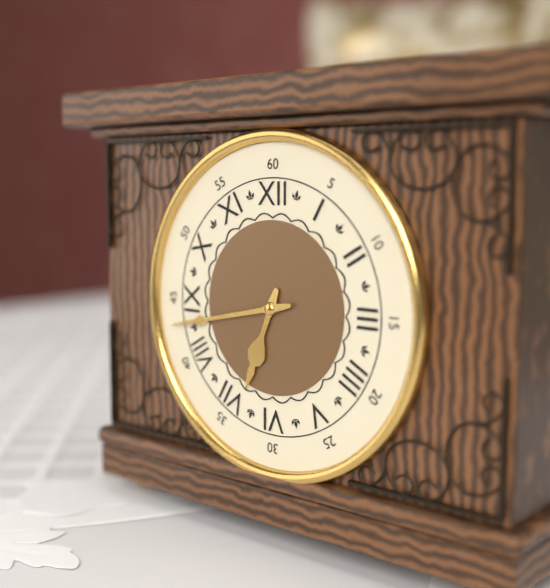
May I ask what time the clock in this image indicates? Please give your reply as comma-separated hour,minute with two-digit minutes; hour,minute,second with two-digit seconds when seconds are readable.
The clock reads 6,43
